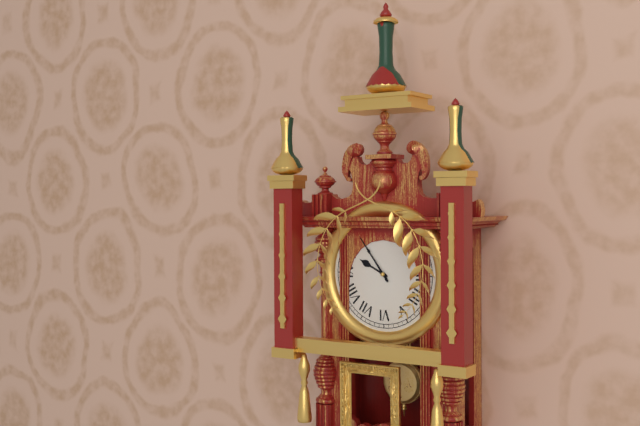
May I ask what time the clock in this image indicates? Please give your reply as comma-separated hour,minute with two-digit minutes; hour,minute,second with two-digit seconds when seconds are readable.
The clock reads 9,54
